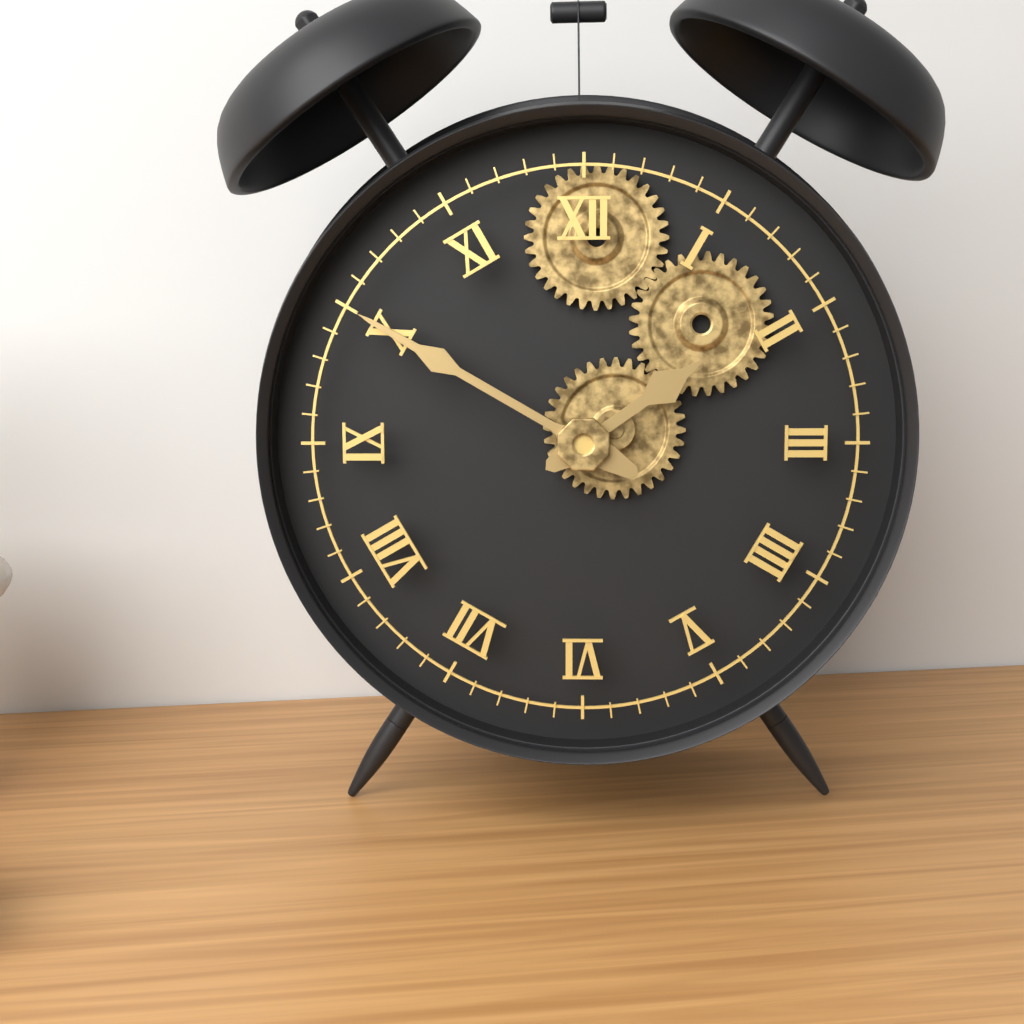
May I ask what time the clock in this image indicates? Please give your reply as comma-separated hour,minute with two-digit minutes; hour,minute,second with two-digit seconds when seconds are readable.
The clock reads 1,50
